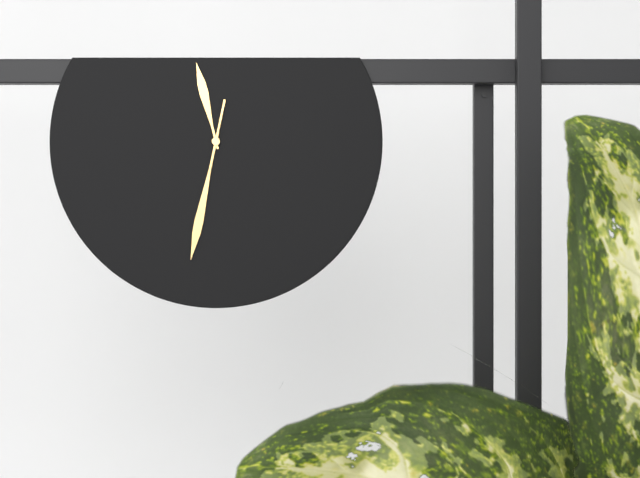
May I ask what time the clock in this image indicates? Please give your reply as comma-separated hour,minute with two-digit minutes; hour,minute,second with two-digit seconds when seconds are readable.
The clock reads 11,32,32
